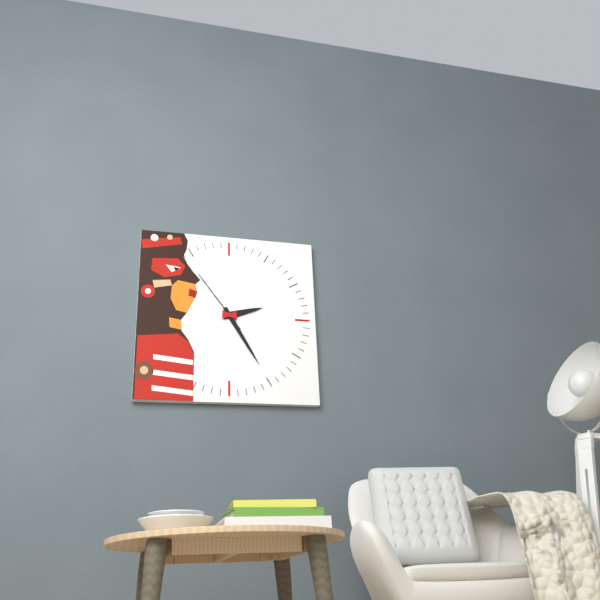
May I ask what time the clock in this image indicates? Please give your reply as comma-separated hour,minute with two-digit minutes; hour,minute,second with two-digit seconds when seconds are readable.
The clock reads 2,25,54
